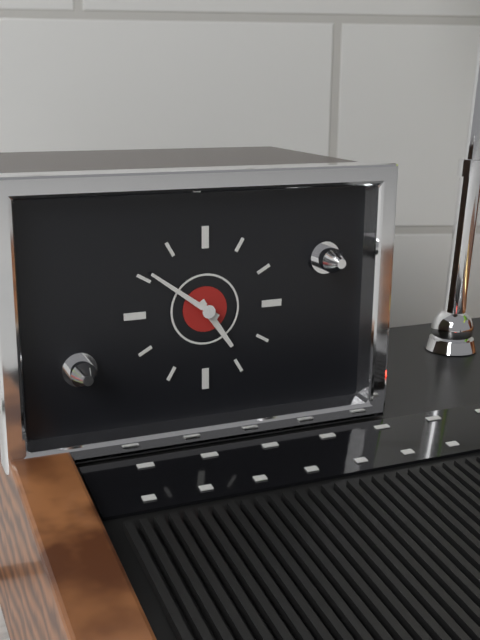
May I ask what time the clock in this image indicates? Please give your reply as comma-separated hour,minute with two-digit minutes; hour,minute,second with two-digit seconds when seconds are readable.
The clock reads 4,51
